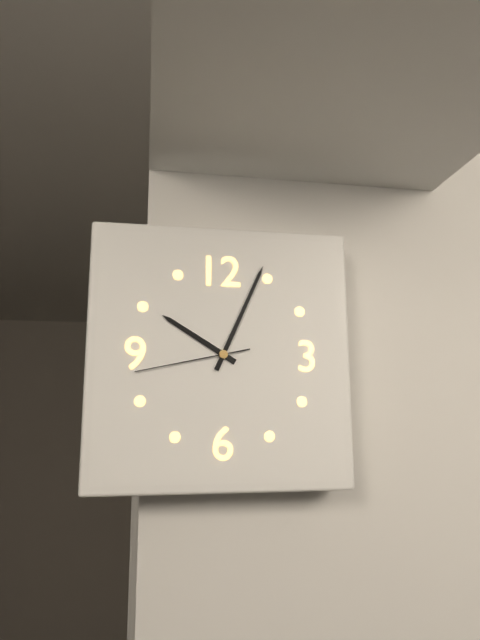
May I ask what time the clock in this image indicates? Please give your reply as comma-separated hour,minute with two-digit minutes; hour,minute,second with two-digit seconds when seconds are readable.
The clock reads 10,04,43
